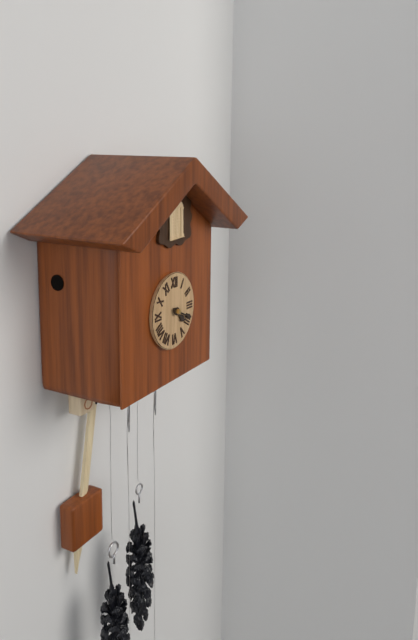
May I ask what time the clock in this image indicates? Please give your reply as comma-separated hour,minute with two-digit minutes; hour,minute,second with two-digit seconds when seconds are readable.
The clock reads 4,19
